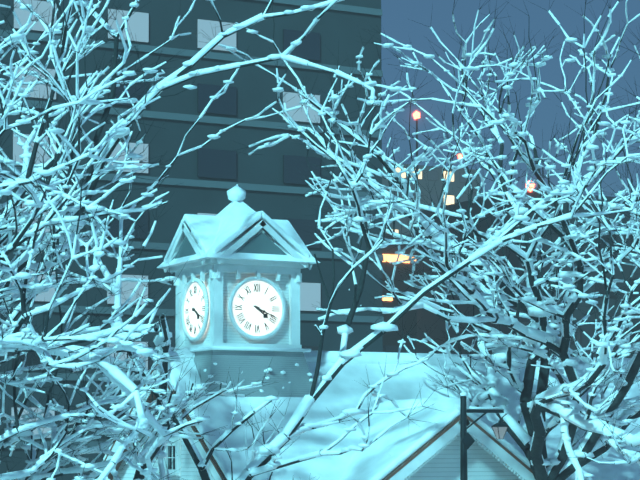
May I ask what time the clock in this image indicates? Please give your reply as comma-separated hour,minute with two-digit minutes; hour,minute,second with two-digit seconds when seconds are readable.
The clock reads 4,19
